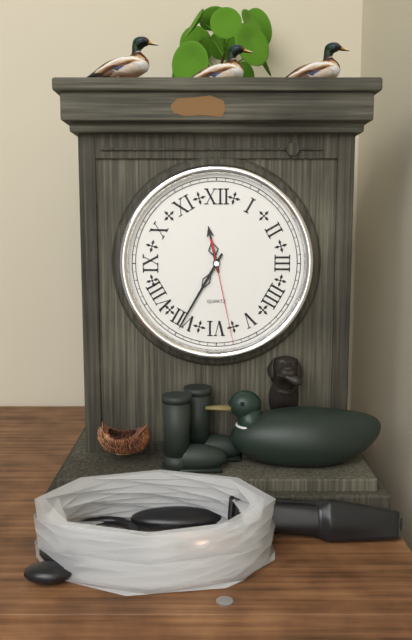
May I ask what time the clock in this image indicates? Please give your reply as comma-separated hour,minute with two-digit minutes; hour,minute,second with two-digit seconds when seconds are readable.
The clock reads 11,35,28
